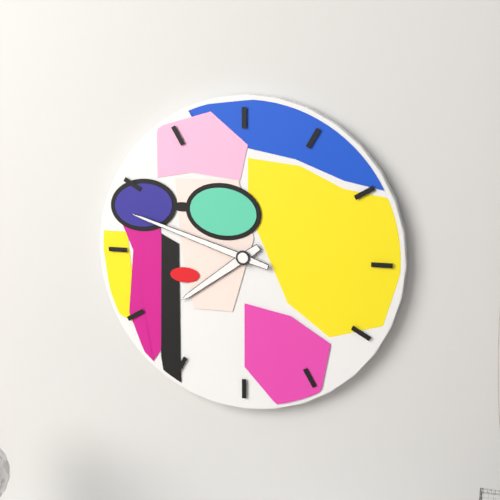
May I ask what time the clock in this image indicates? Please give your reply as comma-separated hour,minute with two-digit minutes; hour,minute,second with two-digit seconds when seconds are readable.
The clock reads 7,48
